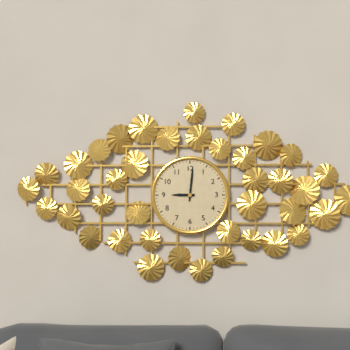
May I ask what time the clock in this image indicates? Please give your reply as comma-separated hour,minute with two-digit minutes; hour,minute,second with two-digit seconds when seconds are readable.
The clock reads 9,01
